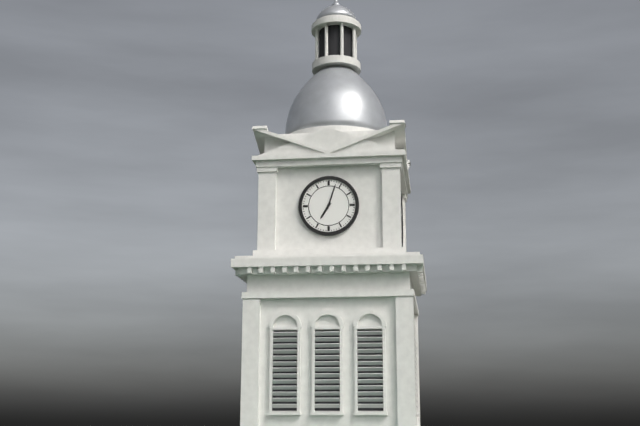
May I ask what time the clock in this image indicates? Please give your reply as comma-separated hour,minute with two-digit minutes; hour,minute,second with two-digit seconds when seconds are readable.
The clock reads 7,03
